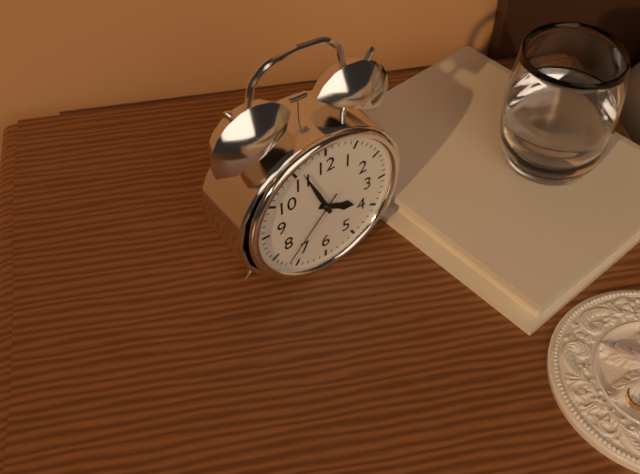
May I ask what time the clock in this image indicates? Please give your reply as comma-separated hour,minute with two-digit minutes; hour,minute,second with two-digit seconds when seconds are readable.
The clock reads 3,56,37
